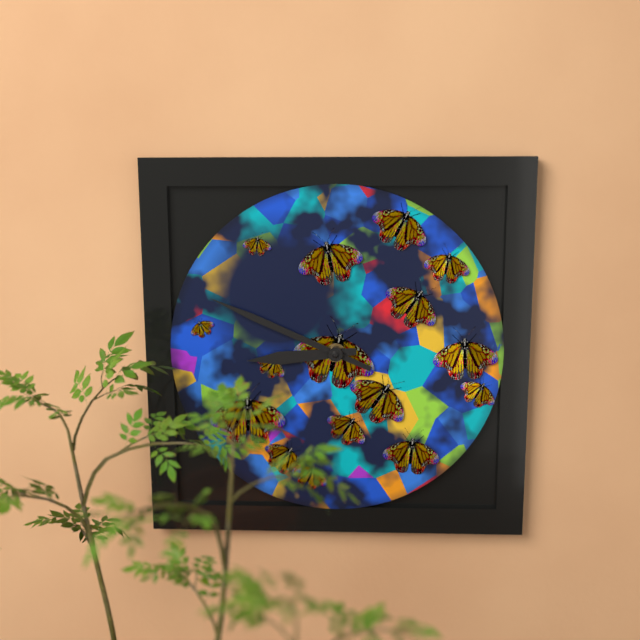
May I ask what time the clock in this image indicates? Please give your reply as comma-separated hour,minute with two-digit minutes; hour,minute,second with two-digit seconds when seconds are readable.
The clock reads 8,49
